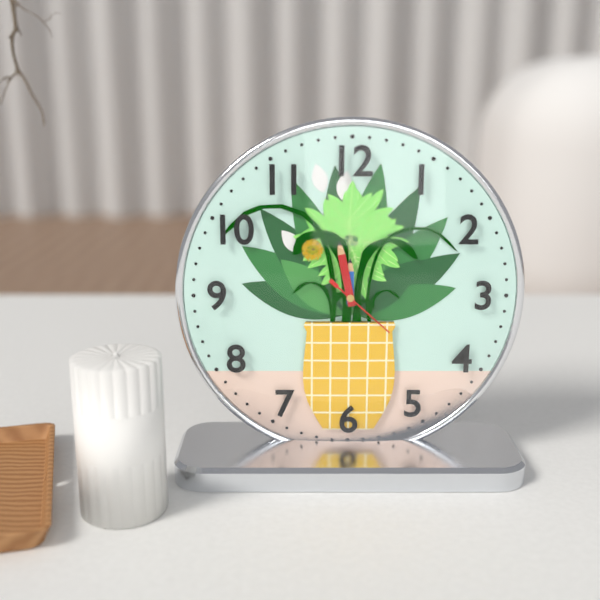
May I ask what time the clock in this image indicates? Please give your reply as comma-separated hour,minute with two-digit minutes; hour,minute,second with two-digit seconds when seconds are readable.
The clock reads 11,58,22
